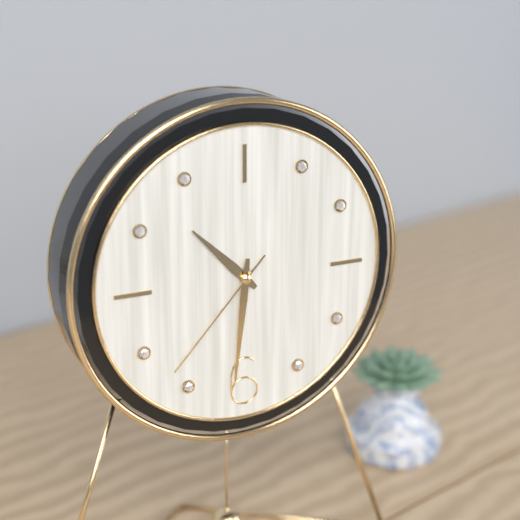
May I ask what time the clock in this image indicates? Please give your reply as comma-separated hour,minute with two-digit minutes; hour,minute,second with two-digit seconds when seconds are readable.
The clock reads 10,31,37
